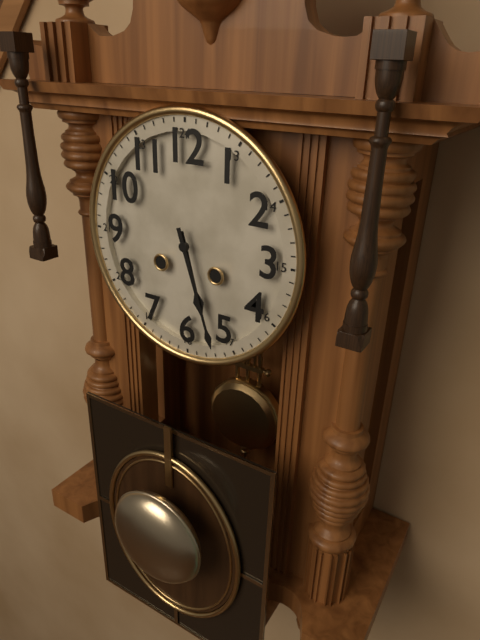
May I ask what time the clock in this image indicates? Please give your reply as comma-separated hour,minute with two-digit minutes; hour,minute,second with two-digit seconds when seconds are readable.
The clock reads 5,27
